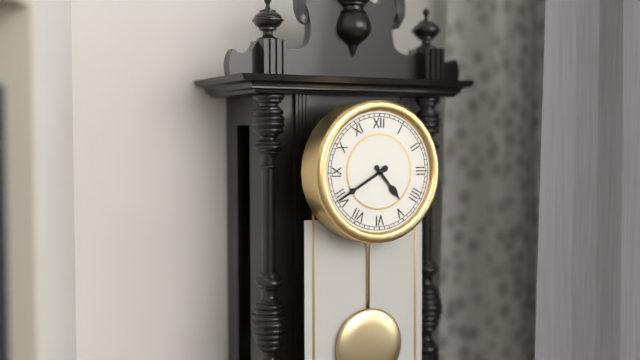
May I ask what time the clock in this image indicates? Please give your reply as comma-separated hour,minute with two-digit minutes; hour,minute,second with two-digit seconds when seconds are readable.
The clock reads 4,40
